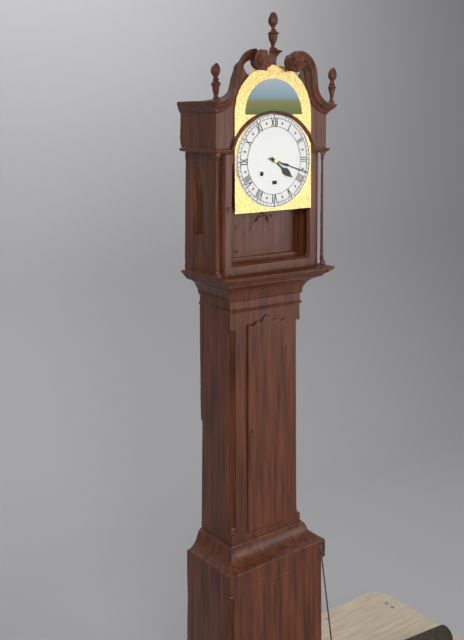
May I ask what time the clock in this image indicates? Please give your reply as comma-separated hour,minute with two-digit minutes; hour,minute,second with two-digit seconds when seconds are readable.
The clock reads 4,18
